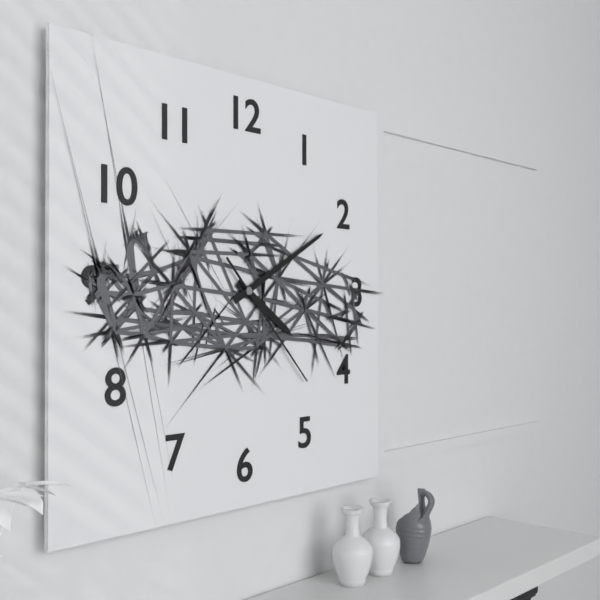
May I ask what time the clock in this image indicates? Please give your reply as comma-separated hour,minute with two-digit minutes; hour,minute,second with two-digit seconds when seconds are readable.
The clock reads 4,10,23
